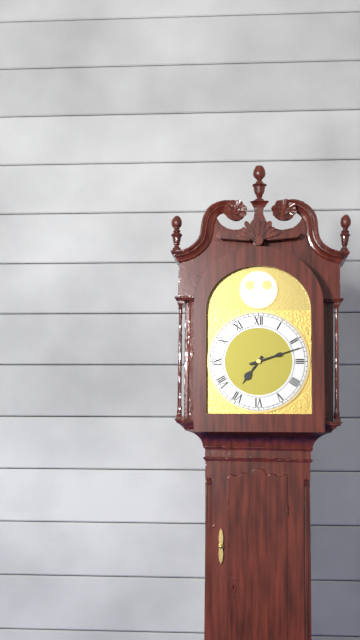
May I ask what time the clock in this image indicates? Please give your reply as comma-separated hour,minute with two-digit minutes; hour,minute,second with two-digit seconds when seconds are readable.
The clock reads 7,12
